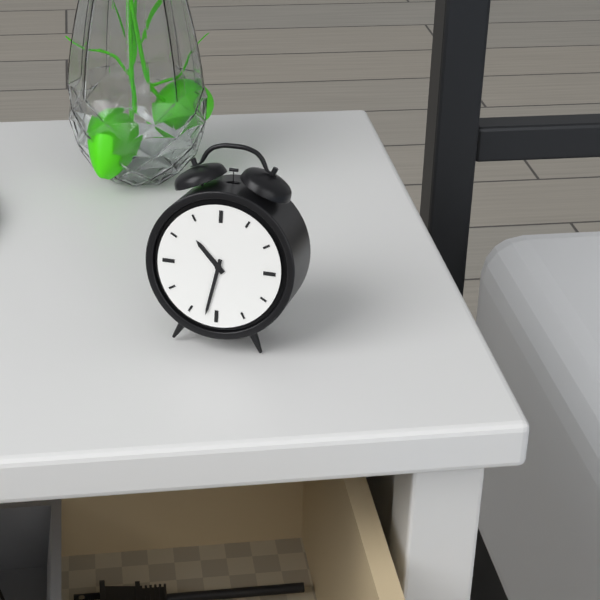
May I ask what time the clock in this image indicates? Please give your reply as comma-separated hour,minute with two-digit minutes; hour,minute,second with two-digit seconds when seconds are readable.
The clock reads 10,32
